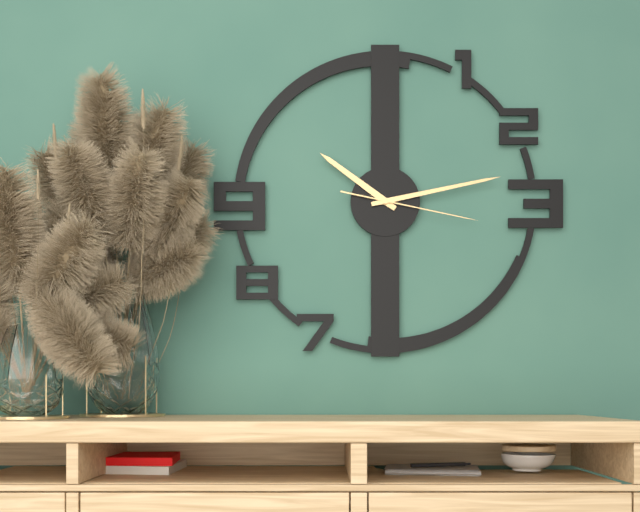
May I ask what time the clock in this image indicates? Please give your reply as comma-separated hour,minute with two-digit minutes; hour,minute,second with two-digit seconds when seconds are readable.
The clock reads 10,13,17
